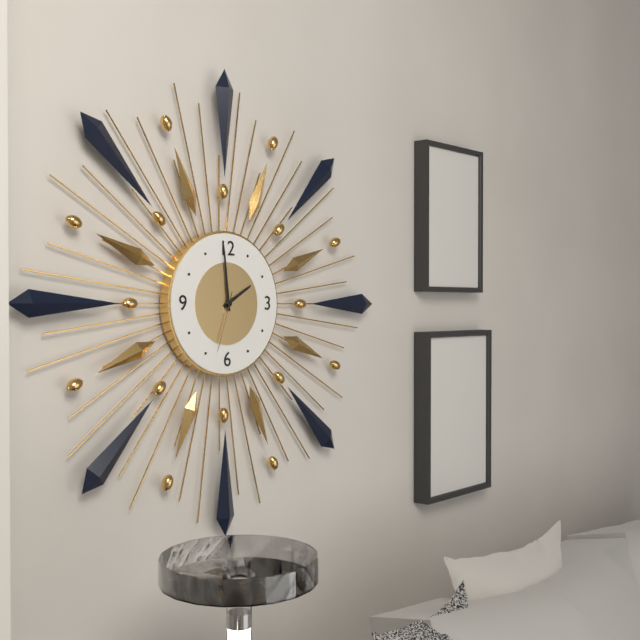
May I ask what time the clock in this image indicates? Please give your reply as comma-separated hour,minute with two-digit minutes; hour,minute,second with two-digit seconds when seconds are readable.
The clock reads 1,59,33
